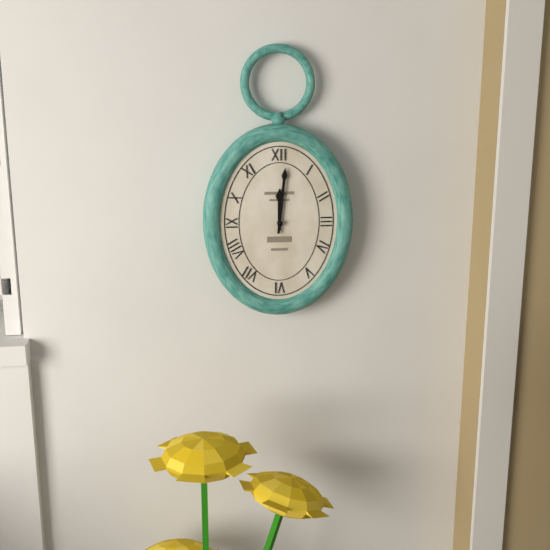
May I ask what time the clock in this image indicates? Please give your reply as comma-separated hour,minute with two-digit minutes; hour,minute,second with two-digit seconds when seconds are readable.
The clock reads 12,01
